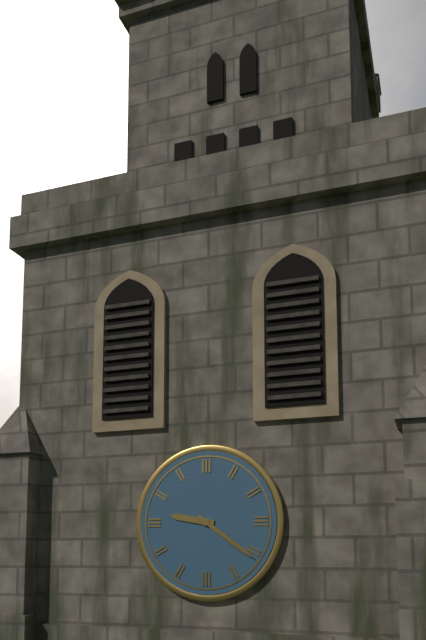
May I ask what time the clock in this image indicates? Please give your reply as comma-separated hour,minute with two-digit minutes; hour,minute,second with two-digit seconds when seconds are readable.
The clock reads 9,21
